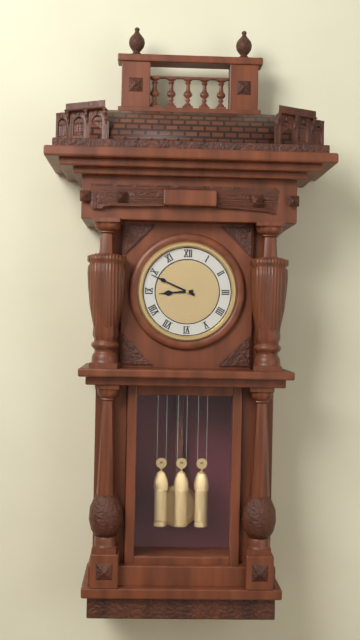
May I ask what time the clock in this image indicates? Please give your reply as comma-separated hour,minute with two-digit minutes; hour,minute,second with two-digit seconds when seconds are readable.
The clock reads 8,49
